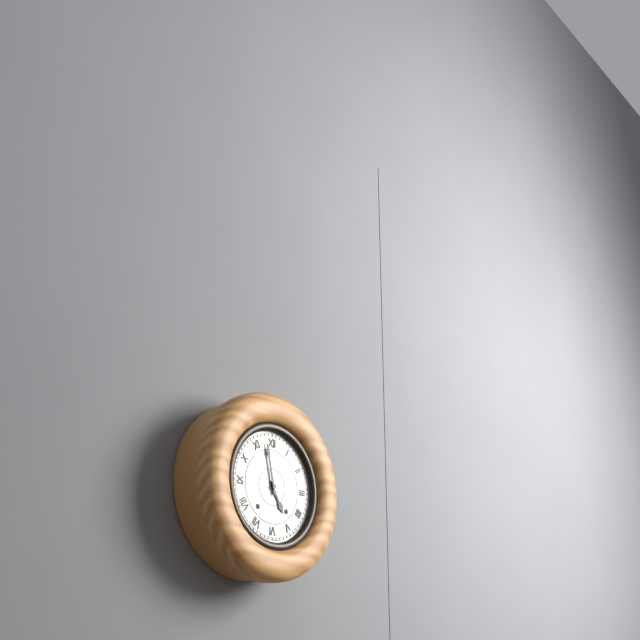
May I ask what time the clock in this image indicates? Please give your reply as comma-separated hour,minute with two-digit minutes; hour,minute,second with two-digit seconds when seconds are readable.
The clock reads 4,58
